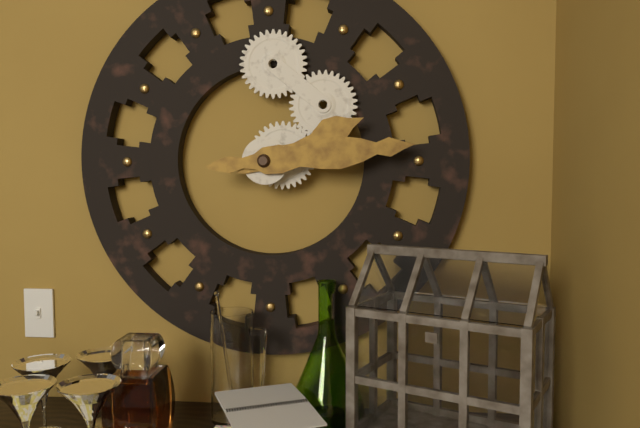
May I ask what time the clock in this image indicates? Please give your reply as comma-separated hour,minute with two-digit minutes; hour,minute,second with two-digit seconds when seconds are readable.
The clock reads 2,14
